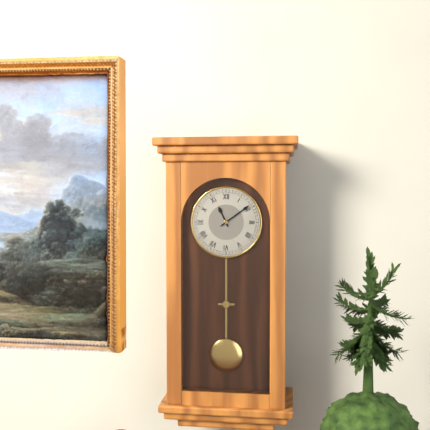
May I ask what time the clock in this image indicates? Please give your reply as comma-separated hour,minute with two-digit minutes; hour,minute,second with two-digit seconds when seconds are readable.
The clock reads 11,09
